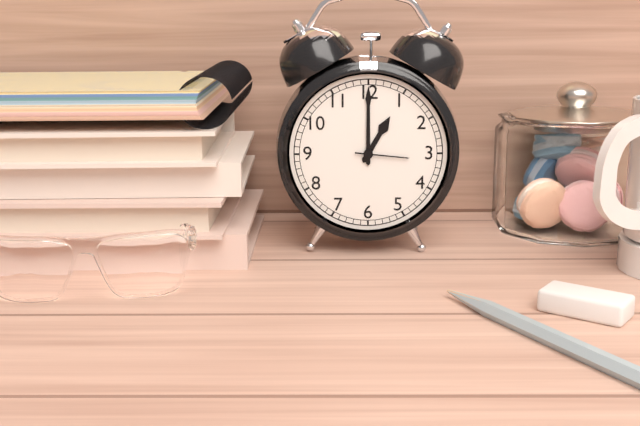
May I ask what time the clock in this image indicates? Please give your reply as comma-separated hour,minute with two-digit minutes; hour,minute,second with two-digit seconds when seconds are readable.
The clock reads 1,00,16
